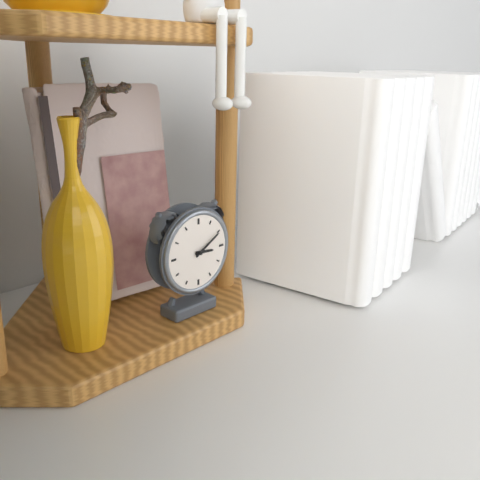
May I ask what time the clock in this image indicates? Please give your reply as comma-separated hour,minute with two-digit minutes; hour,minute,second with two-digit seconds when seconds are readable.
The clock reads 3,10
